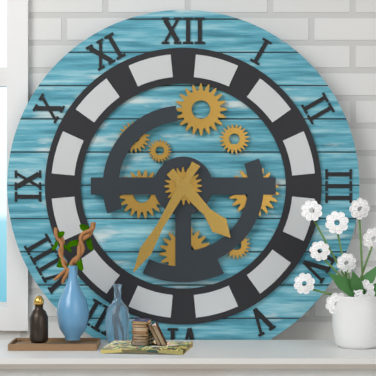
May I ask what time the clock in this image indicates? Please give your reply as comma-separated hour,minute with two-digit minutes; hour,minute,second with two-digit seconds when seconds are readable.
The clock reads 4,35
